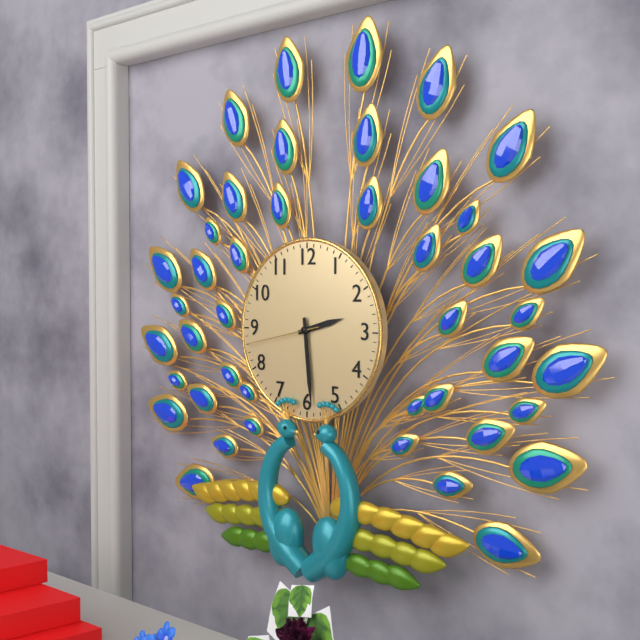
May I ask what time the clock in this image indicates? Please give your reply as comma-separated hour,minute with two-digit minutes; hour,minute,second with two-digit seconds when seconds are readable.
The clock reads 2,29,43
